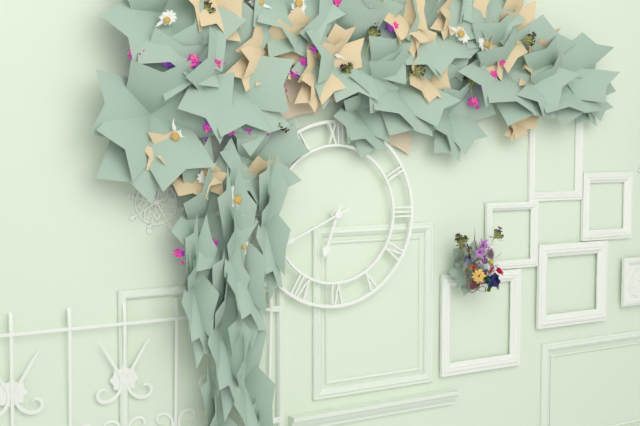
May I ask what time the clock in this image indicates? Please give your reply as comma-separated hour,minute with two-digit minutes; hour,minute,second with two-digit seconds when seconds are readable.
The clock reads 6,41
